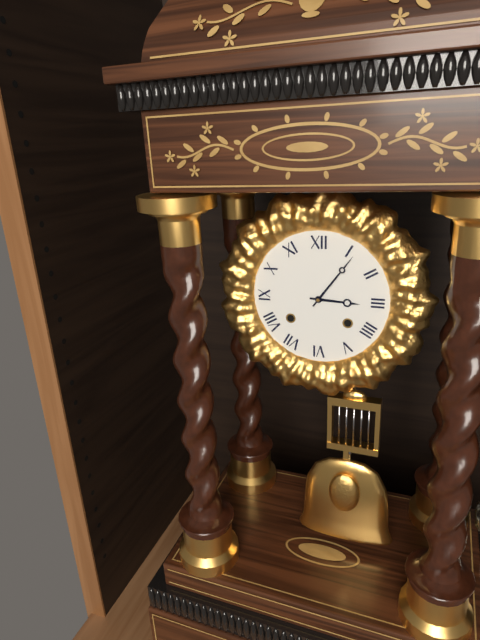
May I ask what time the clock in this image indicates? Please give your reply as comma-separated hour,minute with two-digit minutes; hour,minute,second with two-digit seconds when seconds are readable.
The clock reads 3,06
